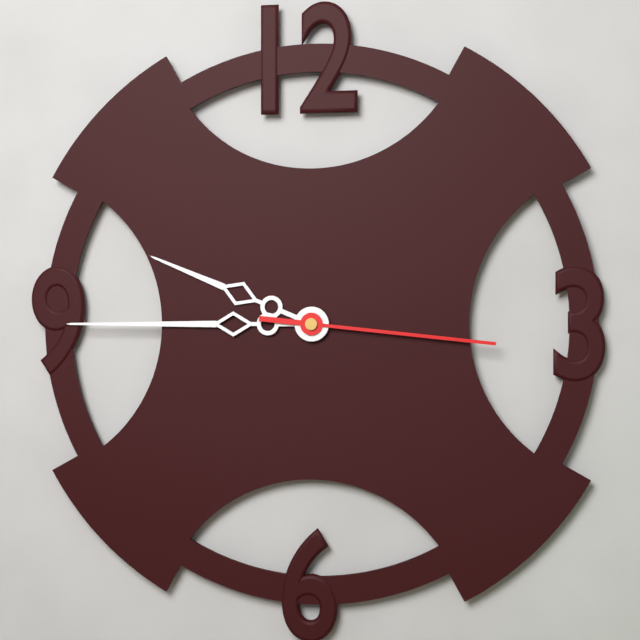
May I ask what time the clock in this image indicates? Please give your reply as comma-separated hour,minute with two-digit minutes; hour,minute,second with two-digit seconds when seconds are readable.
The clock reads 9,45,16
